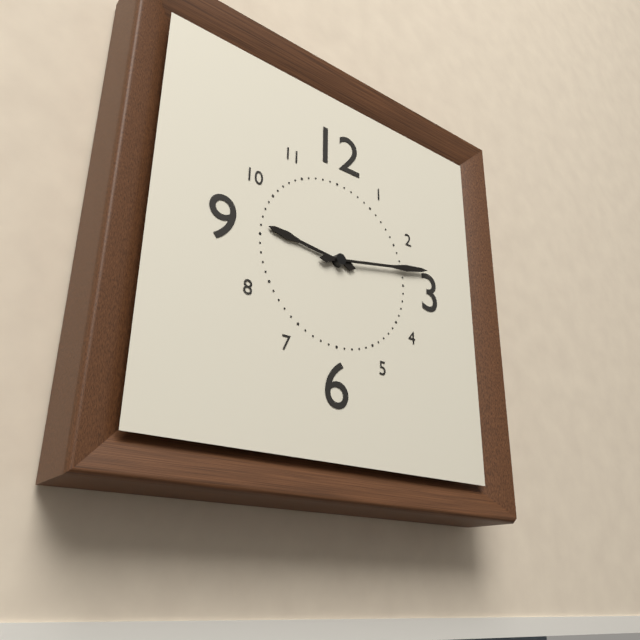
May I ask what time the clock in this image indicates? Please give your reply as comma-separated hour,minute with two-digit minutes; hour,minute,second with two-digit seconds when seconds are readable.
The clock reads 9,13
